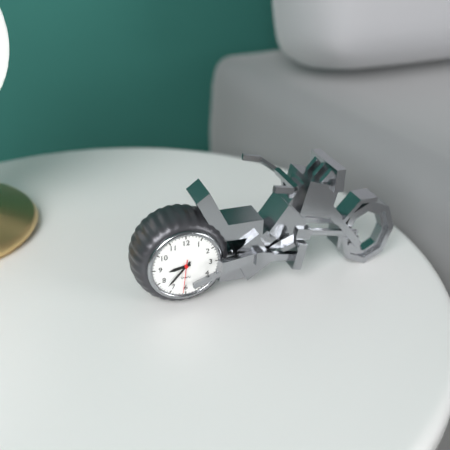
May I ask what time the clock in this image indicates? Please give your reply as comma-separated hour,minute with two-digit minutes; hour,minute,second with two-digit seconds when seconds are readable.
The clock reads 8,37
